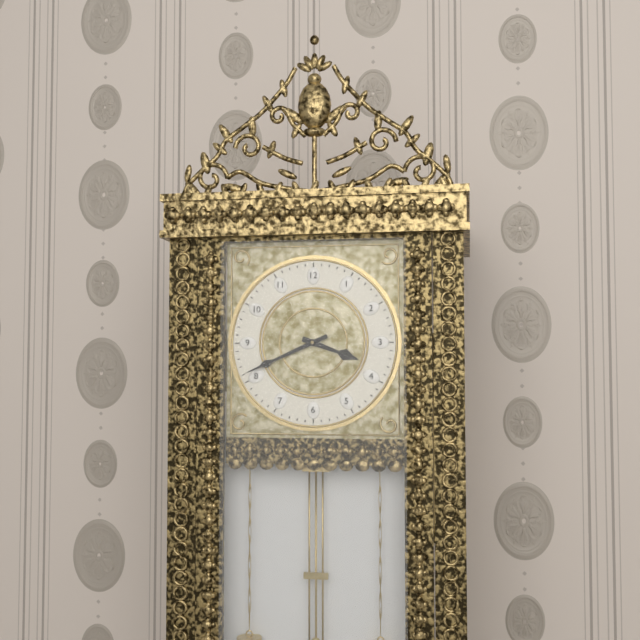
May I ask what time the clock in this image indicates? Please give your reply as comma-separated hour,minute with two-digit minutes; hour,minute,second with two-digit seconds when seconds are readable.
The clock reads 3,41
